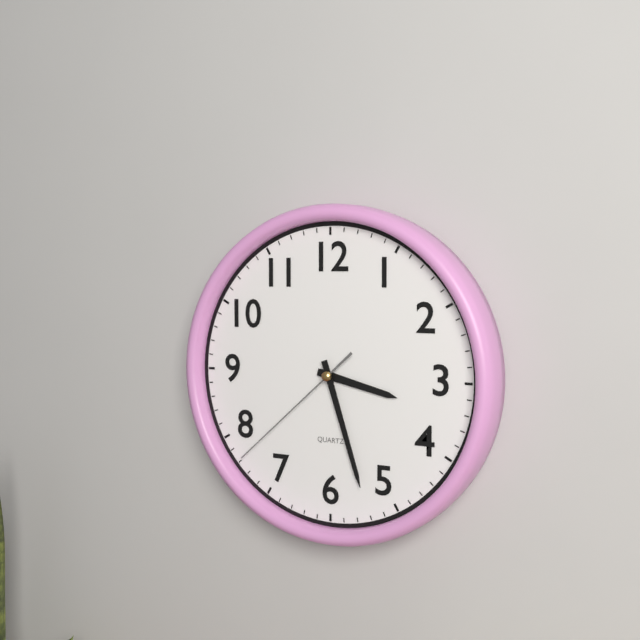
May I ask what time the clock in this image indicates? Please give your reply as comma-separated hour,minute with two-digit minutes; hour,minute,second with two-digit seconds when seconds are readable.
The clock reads 3,27,38
